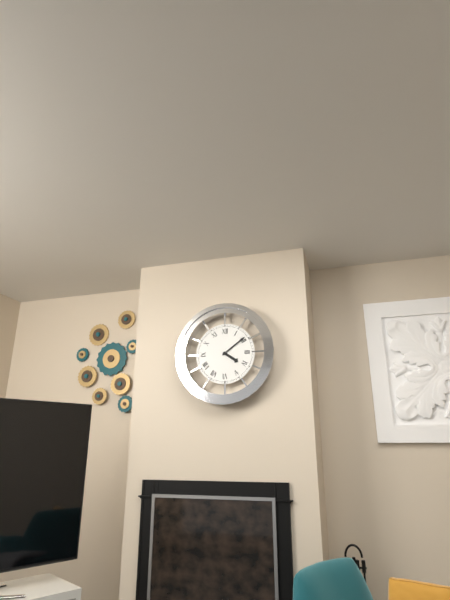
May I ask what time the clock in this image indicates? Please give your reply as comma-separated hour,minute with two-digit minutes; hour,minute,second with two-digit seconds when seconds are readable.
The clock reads 4,09
